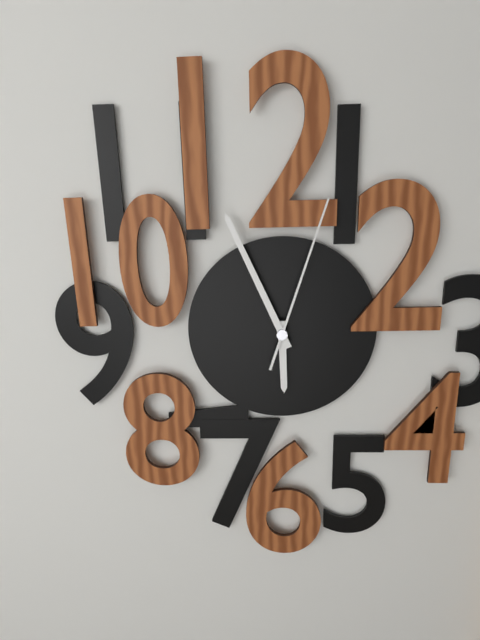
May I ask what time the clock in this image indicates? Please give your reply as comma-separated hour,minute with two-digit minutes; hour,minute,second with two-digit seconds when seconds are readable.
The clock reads 5,56,03
